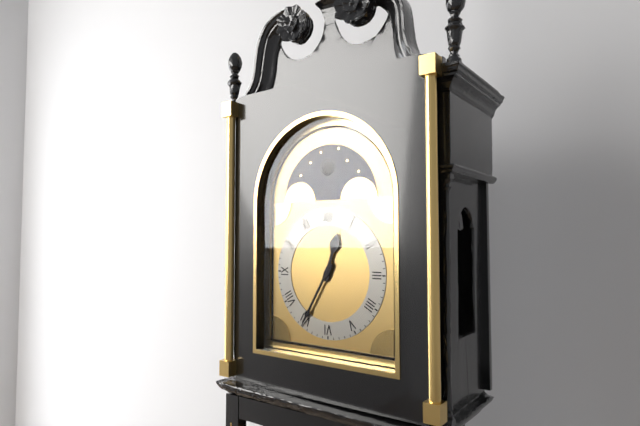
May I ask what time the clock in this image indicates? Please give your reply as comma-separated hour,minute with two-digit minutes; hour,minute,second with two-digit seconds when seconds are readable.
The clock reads 12,35
